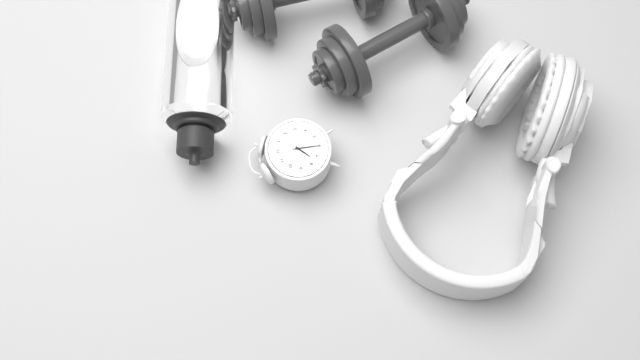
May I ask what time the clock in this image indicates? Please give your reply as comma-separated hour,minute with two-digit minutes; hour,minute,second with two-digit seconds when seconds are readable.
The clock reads 7,30
